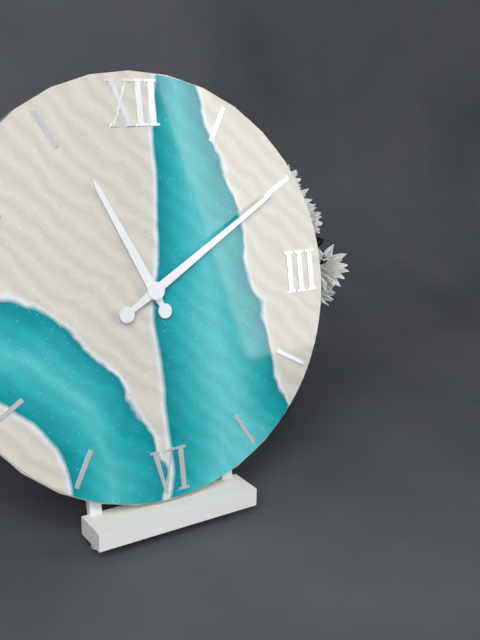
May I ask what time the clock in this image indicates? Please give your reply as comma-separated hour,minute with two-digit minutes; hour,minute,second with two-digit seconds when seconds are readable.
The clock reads 11,10
